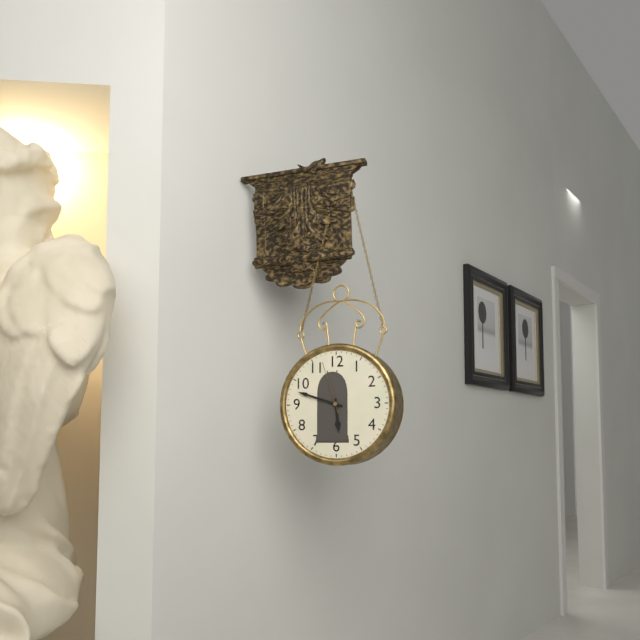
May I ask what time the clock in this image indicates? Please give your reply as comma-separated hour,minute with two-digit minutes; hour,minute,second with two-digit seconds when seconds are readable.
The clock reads 5,48,57
